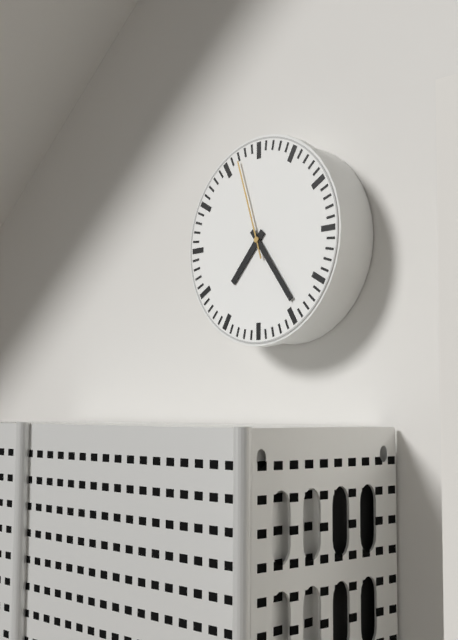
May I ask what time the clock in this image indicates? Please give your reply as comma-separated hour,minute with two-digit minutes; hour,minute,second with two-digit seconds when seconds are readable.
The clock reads 7,24,57
